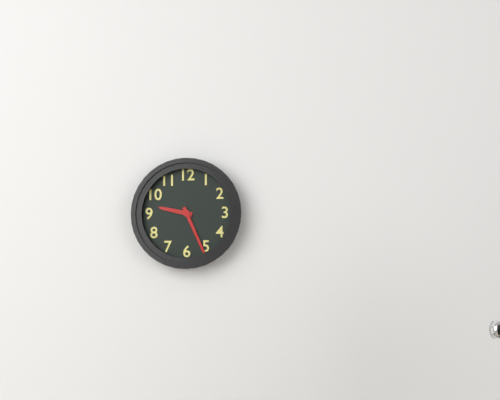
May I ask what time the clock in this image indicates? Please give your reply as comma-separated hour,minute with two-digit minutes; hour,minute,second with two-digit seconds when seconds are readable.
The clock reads 9,26
